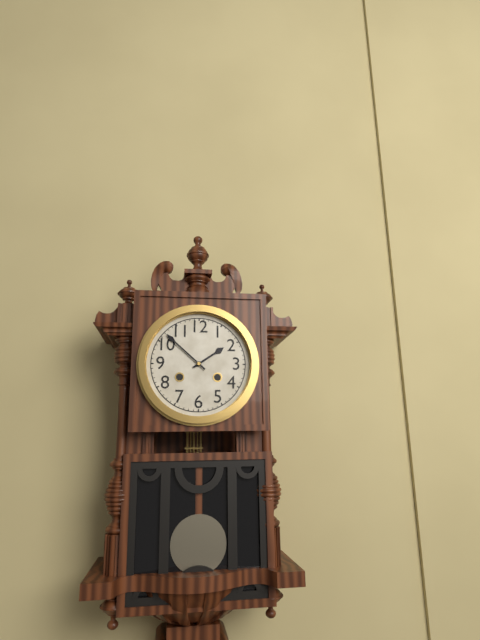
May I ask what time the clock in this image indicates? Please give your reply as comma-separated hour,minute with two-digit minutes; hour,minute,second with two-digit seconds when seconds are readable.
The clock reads 1,52
